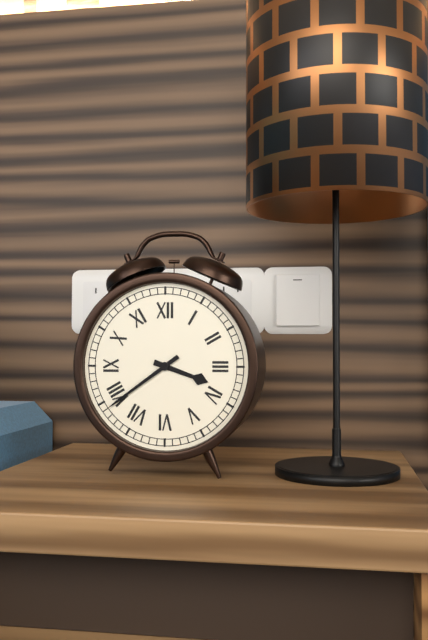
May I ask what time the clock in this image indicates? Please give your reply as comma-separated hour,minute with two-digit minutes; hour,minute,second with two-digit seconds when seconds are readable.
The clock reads 3,39
